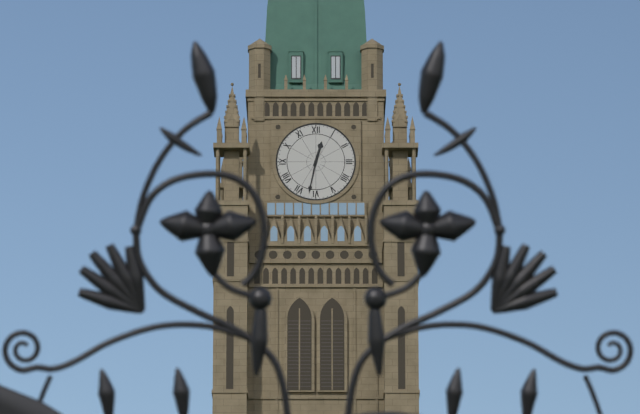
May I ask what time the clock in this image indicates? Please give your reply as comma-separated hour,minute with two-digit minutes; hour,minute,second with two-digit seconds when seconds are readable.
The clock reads 12,32
